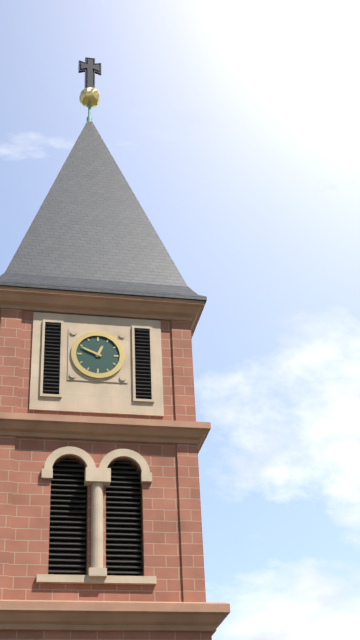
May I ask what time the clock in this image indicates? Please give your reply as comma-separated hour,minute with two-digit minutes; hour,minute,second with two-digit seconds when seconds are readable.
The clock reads 12,49
